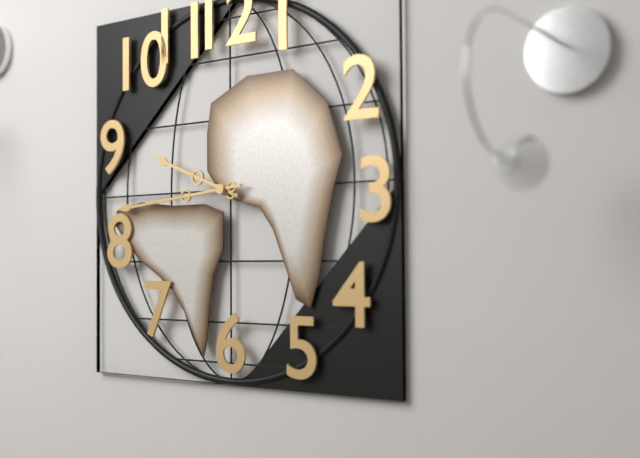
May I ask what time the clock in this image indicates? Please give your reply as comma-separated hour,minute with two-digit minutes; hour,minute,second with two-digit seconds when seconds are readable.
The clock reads 9,44
